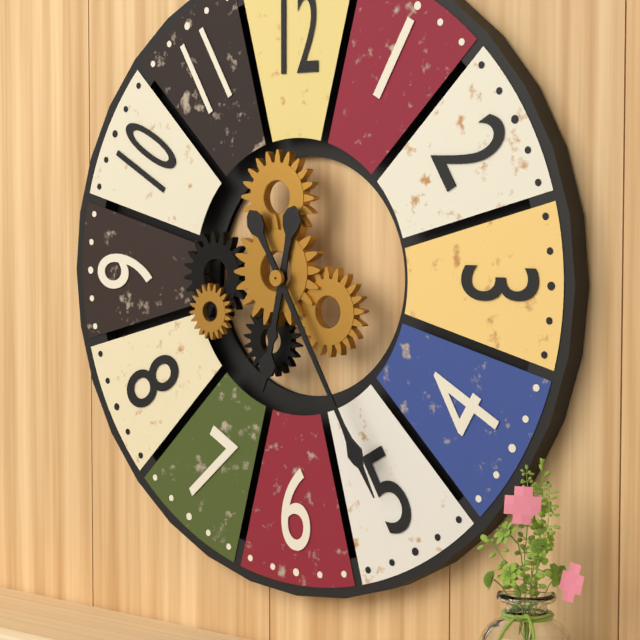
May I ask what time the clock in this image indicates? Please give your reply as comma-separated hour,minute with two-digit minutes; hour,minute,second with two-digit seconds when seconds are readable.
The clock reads 6,25
